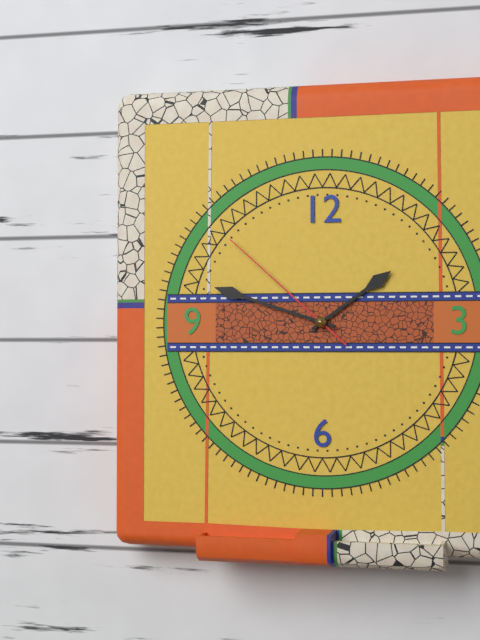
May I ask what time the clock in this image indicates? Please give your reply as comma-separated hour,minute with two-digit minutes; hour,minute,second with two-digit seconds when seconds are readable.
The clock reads 1,48,52
